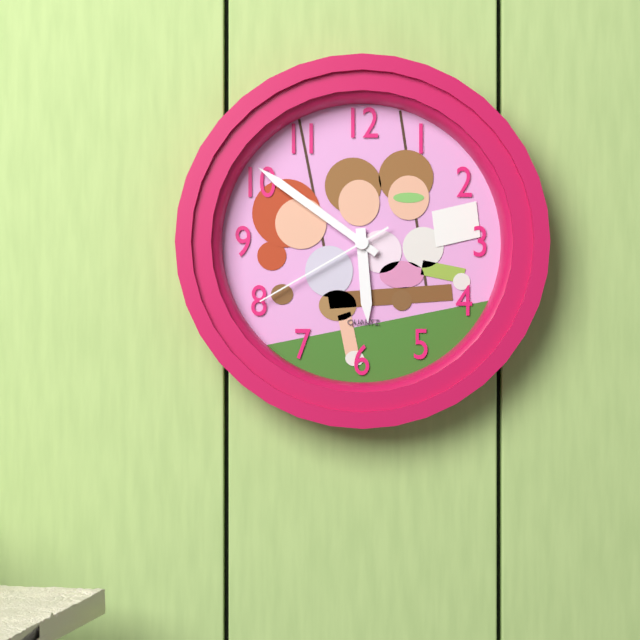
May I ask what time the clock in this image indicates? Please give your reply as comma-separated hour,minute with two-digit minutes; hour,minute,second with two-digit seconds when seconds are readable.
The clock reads 5,51,40
